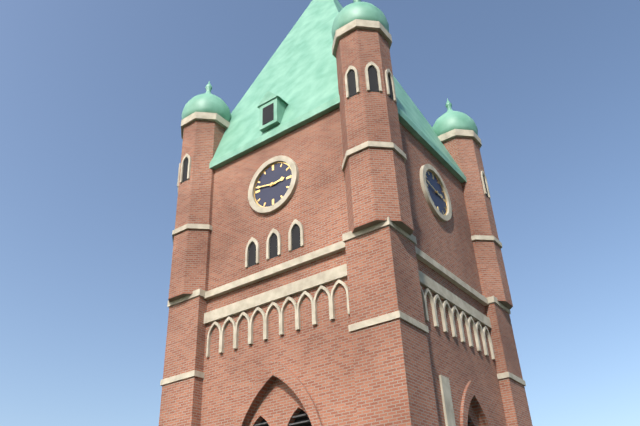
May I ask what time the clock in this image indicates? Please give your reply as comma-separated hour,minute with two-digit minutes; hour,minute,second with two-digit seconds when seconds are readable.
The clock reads 2,47
